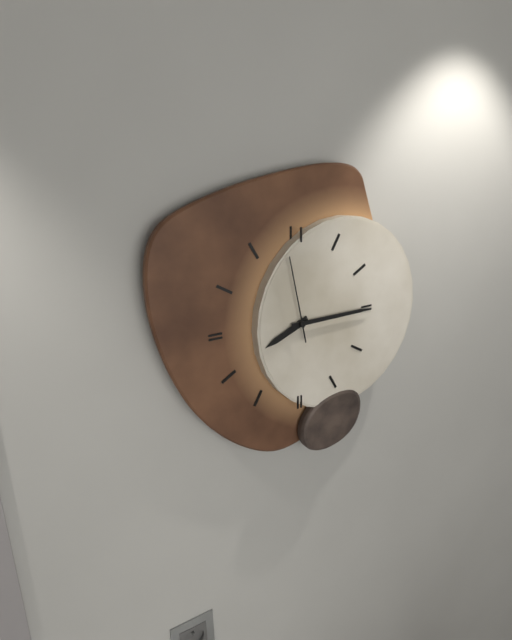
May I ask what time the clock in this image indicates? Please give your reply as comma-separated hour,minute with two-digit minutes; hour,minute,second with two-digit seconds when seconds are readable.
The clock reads 8,15,58
